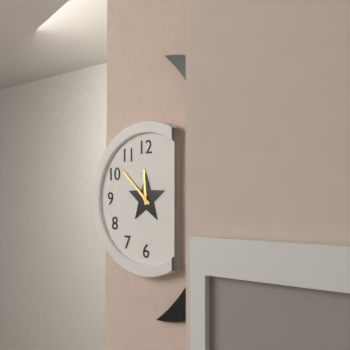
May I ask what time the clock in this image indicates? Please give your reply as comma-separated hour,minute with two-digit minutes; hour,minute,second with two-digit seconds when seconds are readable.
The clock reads 11,52
